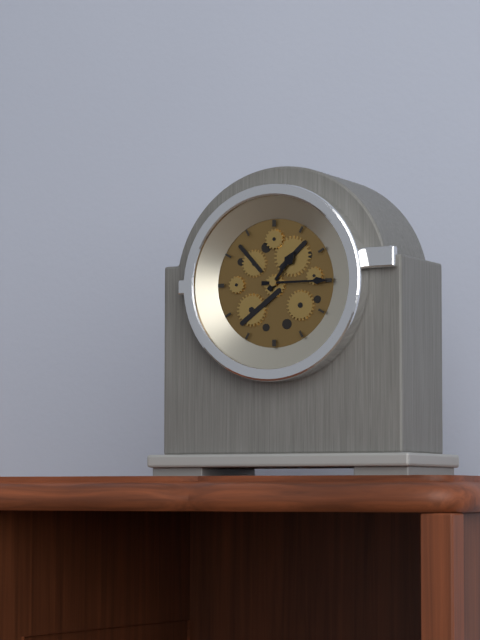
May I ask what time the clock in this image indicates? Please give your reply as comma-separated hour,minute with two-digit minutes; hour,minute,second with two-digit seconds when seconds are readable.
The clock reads 1,15
